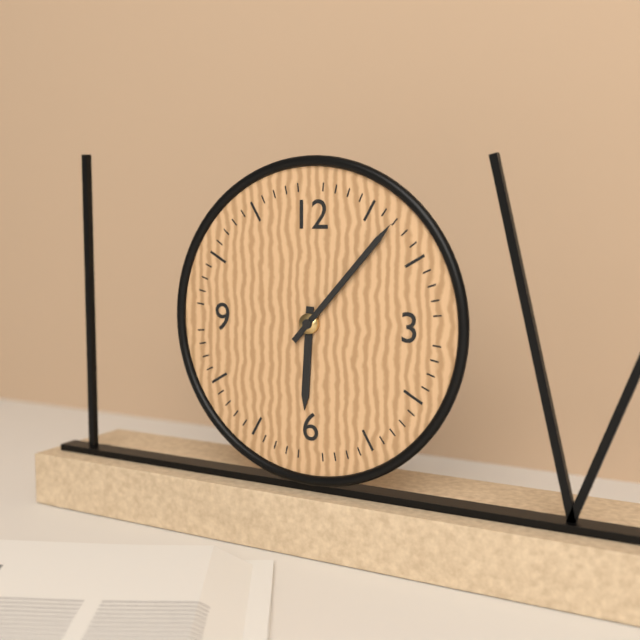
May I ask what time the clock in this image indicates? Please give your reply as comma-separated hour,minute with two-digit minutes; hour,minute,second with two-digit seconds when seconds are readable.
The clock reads 6,07
